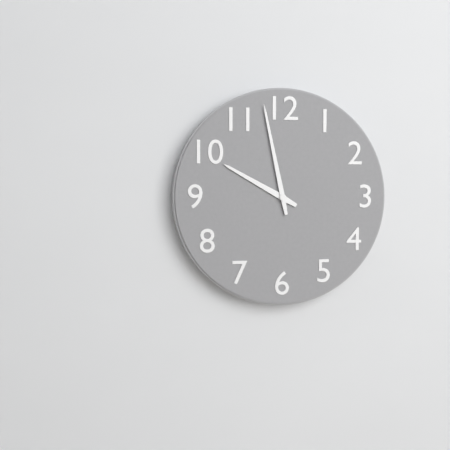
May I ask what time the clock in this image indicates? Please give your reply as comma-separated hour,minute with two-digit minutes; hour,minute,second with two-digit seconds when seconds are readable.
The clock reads 9,58
